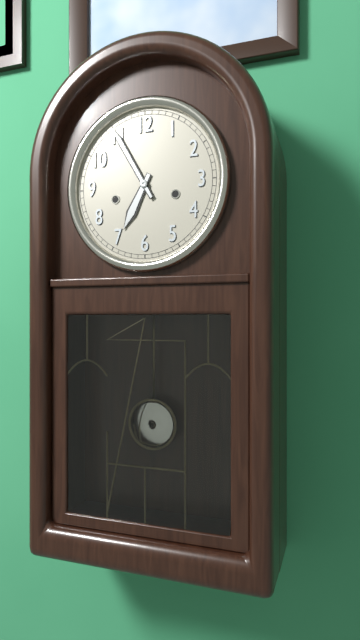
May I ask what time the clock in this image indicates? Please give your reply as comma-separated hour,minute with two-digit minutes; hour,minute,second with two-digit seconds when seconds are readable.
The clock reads 6,55
